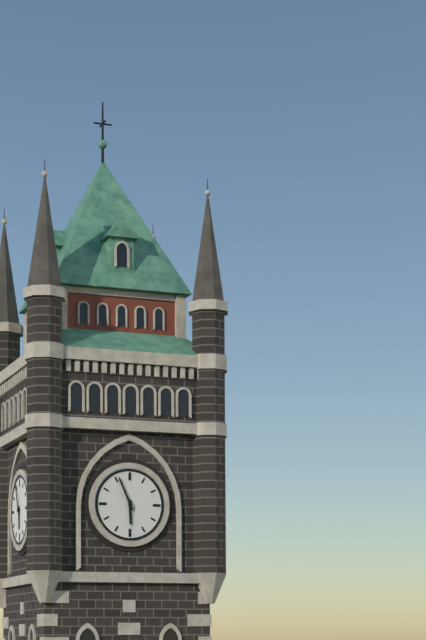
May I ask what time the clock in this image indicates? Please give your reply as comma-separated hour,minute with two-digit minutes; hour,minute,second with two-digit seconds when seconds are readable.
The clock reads 5,56
